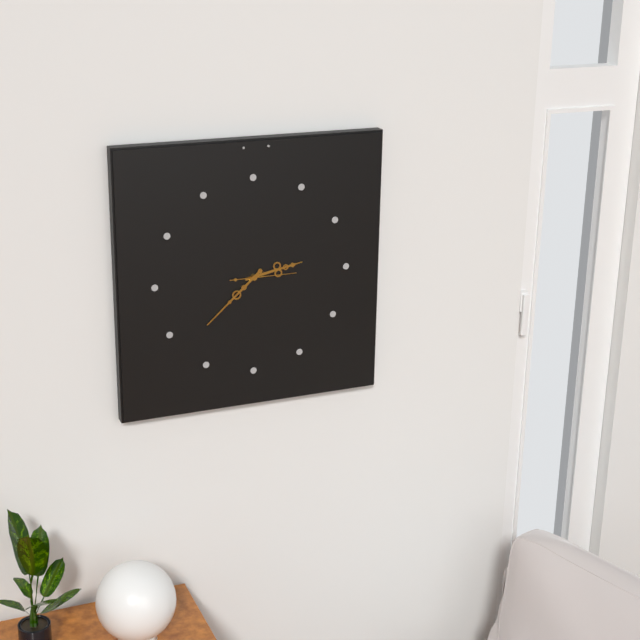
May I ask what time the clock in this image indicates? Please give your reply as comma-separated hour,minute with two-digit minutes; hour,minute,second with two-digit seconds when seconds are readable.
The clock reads 2,38,15
